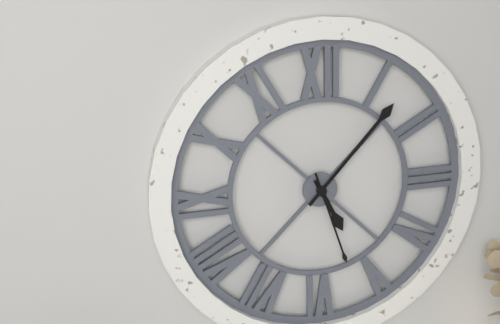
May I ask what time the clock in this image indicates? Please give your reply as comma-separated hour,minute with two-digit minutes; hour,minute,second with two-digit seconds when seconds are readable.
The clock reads 5,07,27
